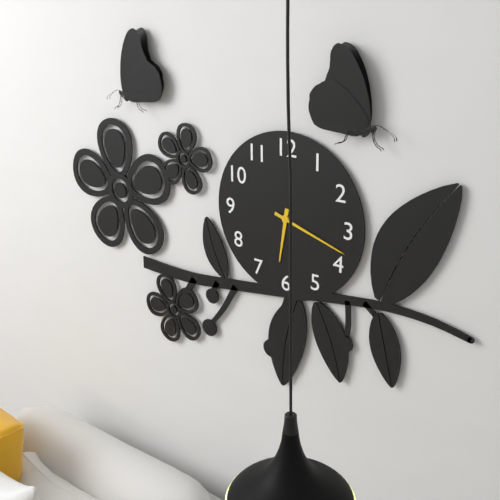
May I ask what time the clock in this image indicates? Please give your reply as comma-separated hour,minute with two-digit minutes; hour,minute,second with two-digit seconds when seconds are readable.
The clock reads 6,18
